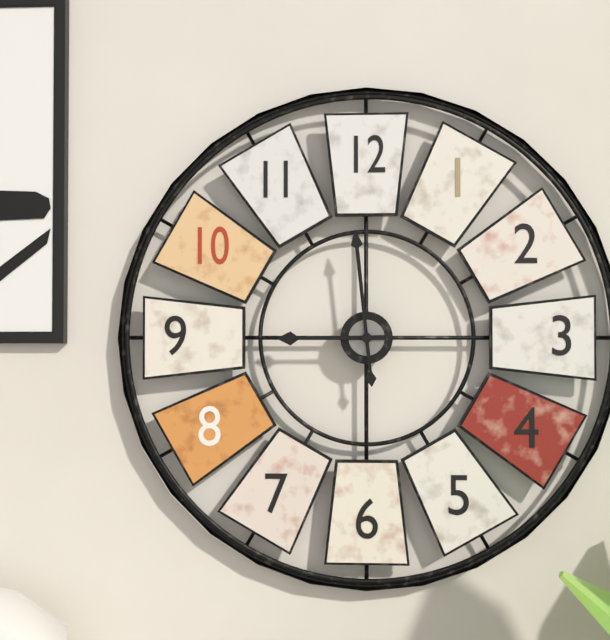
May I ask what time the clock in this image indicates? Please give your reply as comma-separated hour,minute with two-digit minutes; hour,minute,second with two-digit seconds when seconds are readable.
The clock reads 8,59
